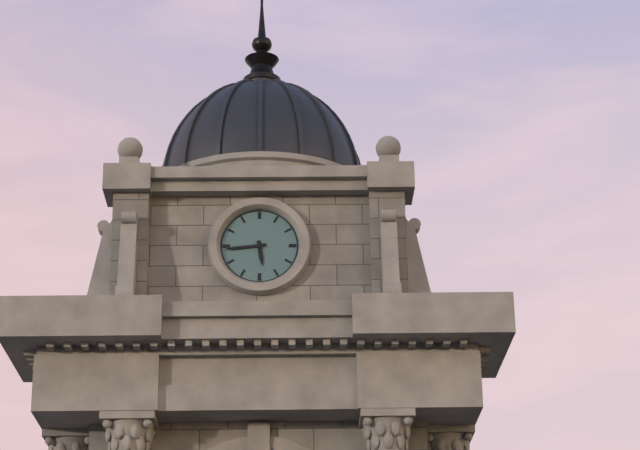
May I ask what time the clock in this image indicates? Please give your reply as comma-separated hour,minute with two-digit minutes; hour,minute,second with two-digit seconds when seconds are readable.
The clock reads 5,44
